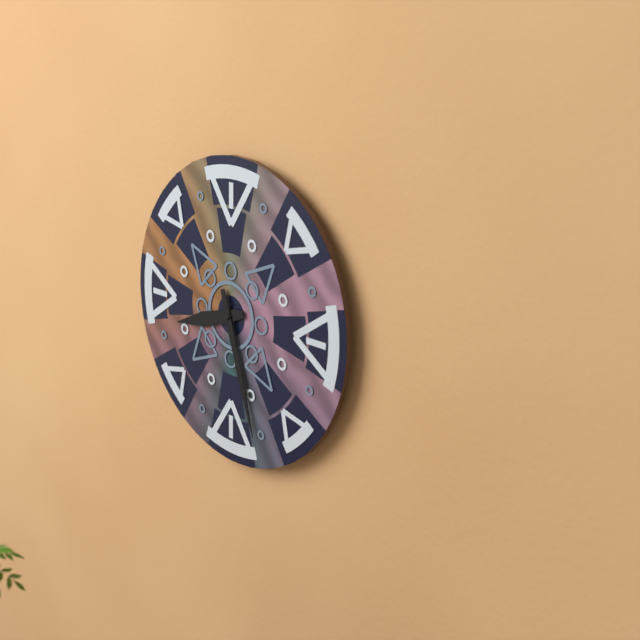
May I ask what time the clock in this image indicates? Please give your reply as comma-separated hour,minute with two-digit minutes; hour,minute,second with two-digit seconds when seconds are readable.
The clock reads 8,27
